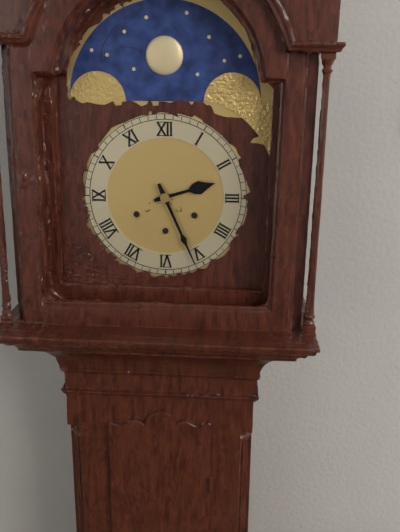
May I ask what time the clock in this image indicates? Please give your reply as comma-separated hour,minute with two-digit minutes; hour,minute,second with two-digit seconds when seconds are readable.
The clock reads 2,26
